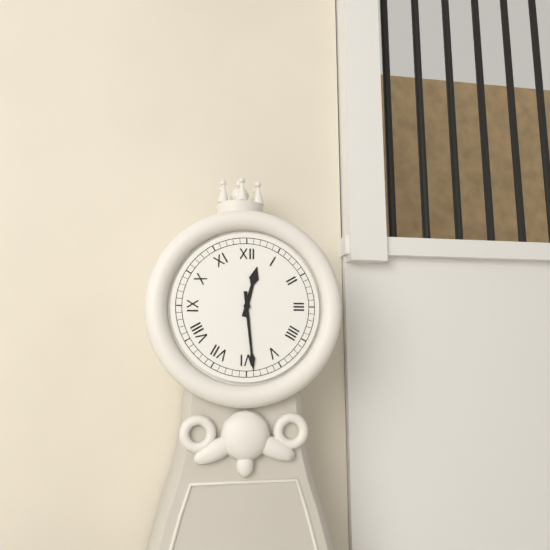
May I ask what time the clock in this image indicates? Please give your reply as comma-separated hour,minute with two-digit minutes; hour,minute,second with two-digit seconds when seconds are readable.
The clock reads 12,29
